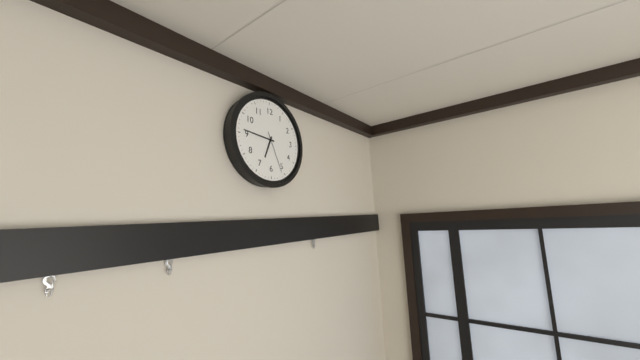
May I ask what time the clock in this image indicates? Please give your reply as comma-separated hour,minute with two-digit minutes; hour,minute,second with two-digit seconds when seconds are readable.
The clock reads 6,46
